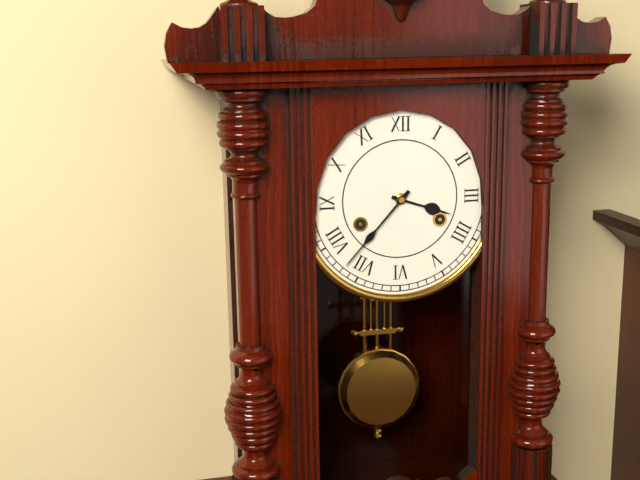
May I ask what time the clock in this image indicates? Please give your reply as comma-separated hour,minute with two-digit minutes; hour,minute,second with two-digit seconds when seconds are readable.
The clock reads 3,37
